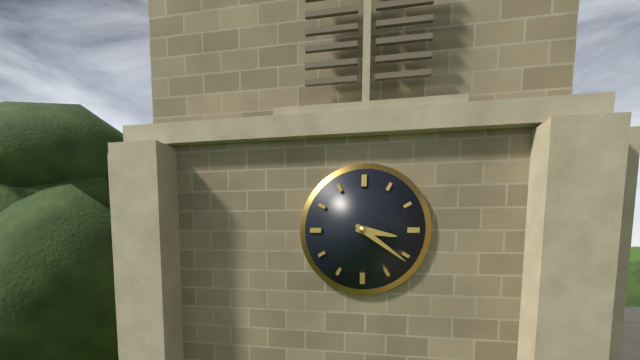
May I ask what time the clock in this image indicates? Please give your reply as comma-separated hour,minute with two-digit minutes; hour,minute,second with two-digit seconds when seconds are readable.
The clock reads 3,21
